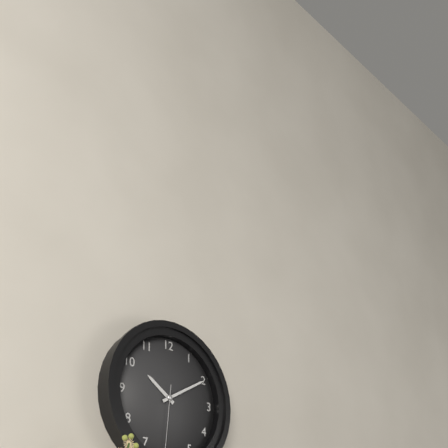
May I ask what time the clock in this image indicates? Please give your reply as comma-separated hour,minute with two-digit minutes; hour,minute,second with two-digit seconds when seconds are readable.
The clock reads 10,10
